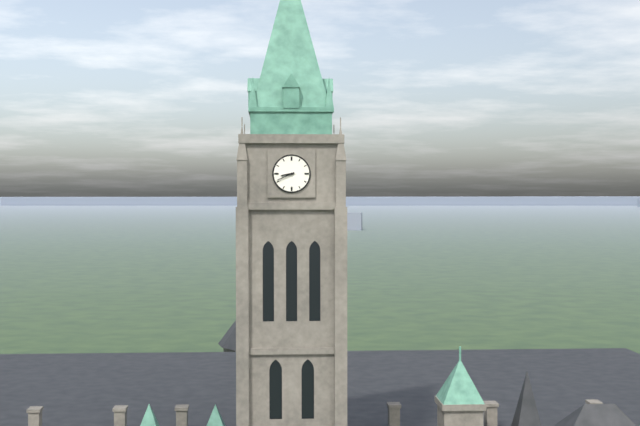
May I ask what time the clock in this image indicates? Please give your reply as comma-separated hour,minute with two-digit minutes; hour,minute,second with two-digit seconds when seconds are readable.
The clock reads 8,41
